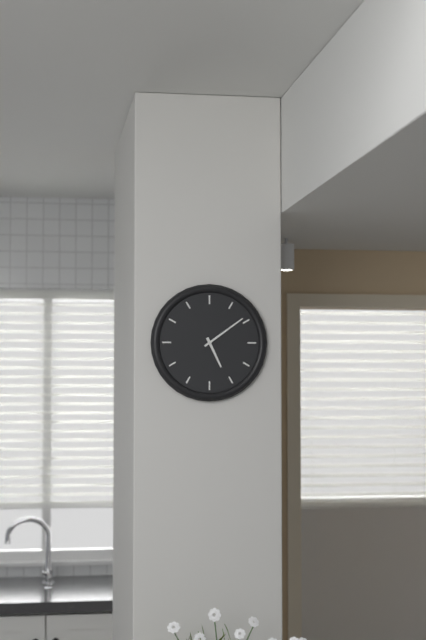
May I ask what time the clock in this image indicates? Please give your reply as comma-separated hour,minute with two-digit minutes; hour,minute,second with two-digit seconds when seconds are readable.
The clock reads 5,09
